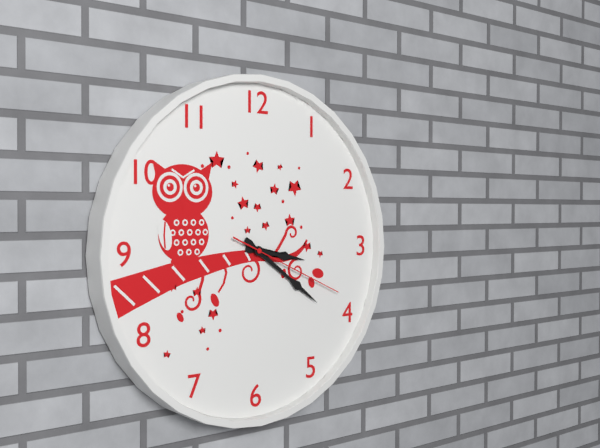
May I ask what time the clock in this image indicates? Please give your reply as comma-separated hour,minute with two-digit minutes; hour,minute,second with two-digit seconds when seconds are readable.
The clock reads 3,21,19
